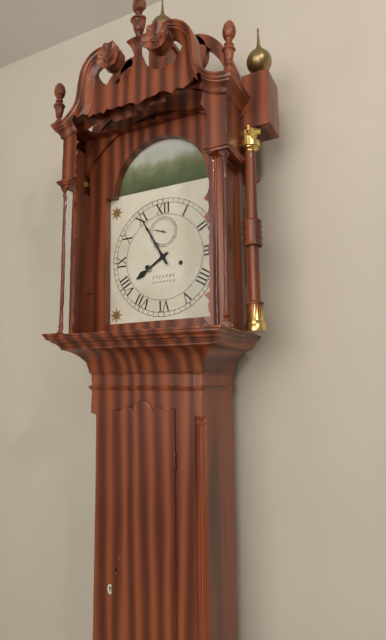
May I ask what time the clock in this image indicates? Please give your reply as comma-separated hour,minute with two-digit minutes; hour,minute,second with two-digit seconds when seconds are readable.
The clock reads 7,55
